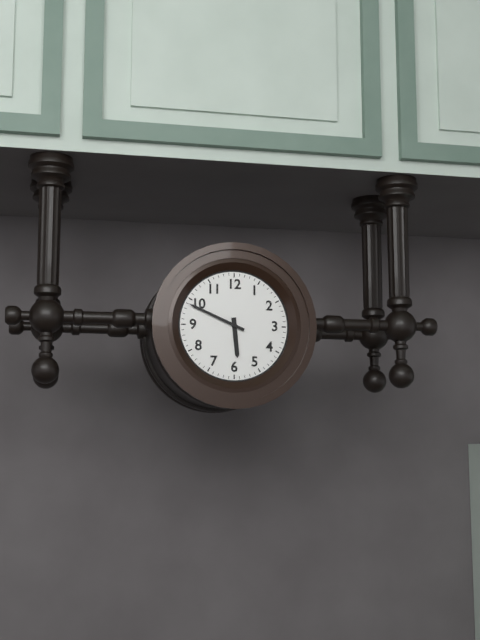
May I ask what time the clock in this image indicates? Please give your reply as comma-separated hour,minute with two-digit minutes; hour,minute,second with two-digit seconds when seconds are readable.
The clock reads 5,49
